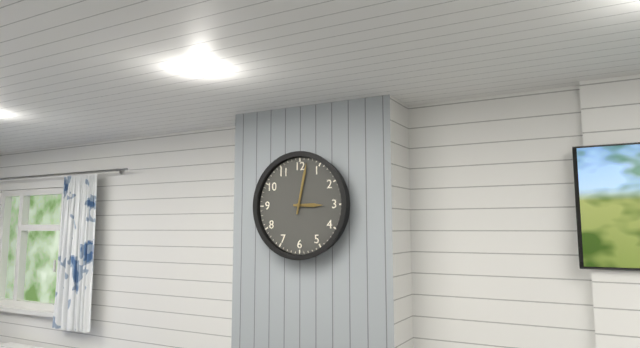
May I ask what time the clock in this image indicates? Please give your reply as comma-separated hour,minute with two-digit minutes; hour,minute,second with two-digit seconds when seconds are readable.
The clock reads 3,02
